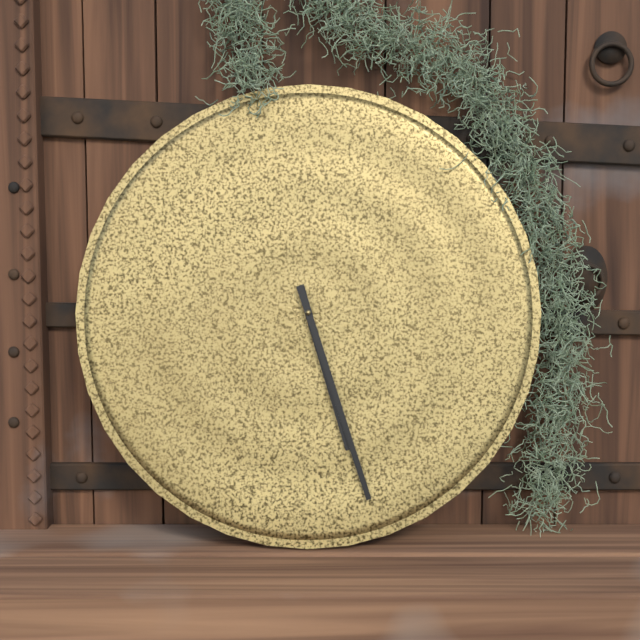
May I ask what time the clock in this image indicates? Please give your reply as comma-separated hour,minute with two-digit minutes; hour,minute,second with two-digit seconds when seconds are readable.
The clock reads 5,27
